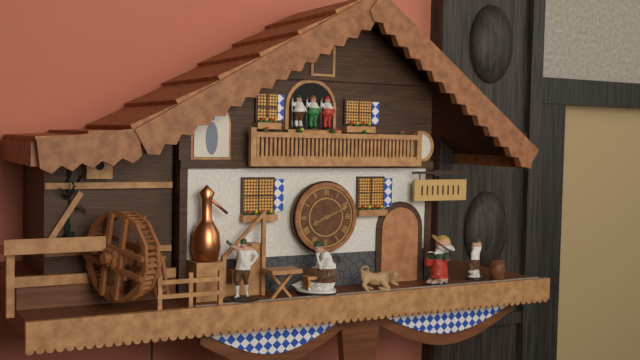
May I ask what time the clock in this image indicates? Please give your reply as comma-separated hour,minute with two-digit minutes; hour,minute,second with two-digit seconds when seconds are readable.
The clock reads 8,11
